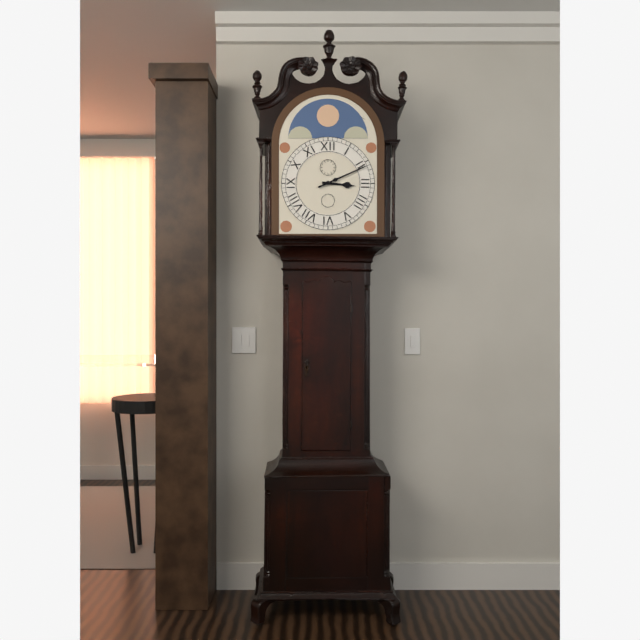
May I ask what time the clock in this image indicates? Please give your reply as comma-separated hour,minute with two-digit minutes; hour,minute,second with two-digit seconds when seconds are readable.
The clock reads 3,11
